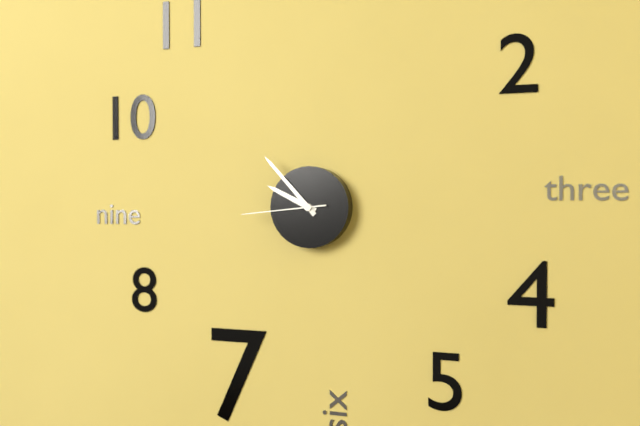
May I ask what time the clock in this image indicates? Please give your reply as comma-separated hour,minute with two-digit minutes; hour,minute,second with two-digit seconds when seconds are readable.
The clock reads 9,53,44
